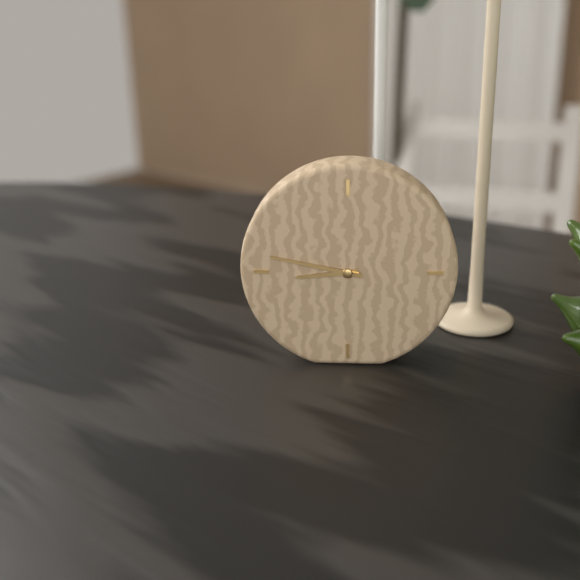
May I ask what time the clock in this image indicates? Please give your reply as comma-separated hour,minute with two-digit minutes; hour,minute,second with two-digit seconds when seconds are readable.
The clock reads 8,47
